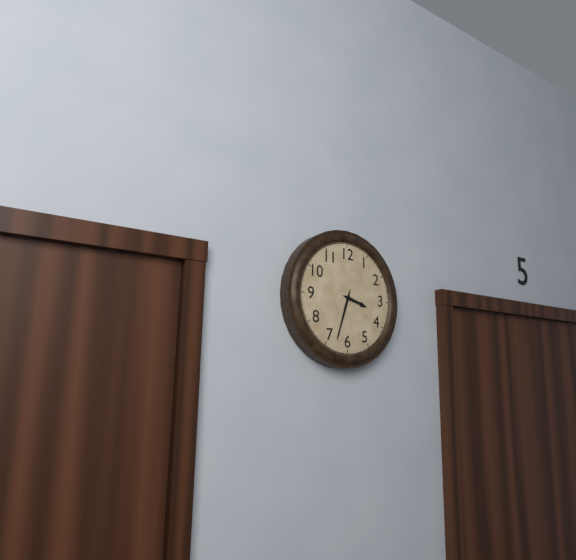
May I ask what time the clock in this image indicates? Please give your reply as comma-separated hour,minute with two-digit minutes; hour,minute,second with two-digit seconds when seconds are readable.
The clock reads 3,33
